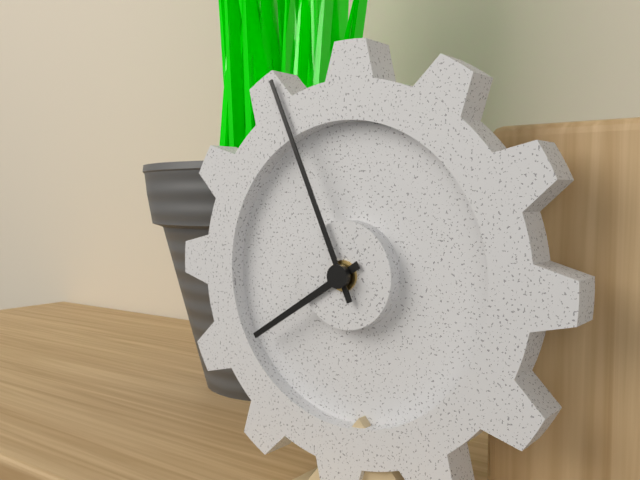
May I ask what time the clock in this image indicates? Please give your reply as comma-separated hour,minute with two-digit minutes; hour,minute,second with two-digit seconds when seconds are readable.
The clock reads 7,56
